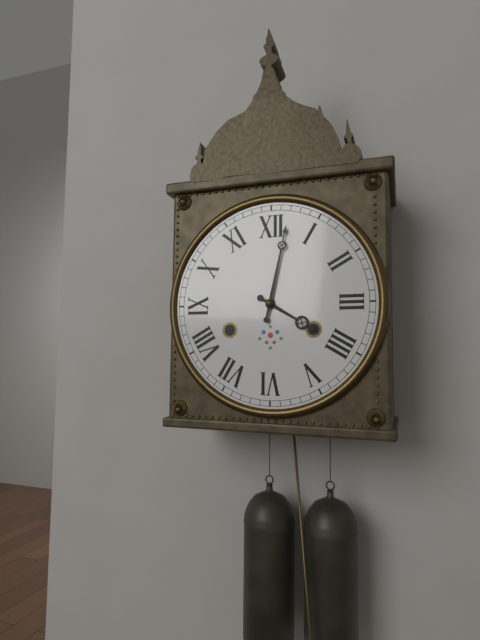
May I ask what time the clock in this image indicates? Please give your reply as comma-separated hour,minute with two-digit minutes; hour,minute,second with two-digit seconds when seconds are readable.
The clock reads 4,02
